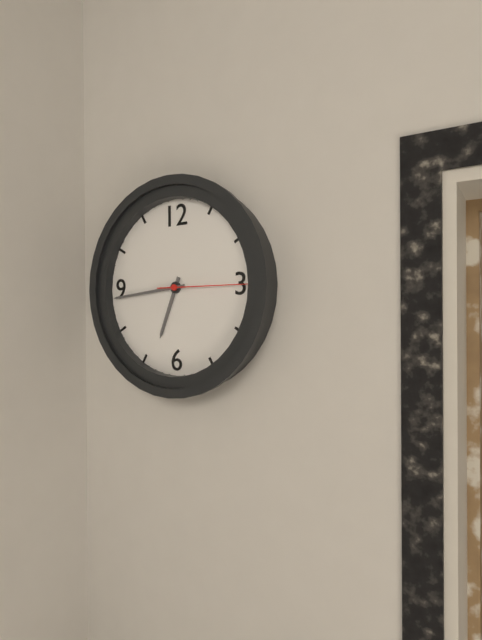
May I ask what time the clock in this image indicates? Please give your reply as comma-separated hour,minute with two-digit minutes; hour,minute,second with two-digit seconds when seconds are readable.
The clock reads 6,44,15
